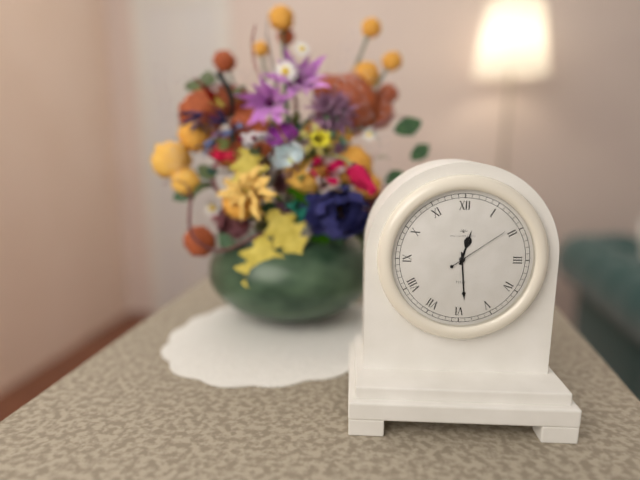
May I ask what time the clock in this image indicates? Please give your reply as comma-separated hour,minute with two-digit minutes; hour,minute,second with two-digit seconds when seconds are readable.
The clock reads 12,29,09
